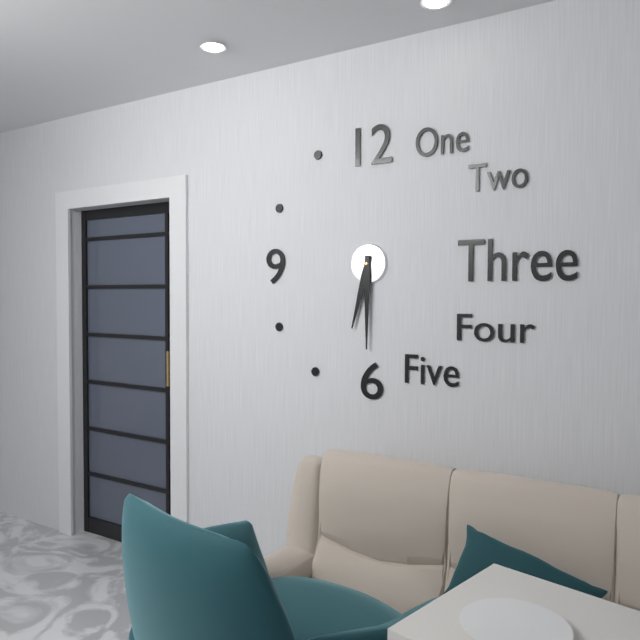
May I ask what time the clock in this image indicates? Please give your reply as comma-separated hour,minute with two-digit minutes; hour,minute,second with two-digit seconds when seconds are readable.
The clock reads 6,30
